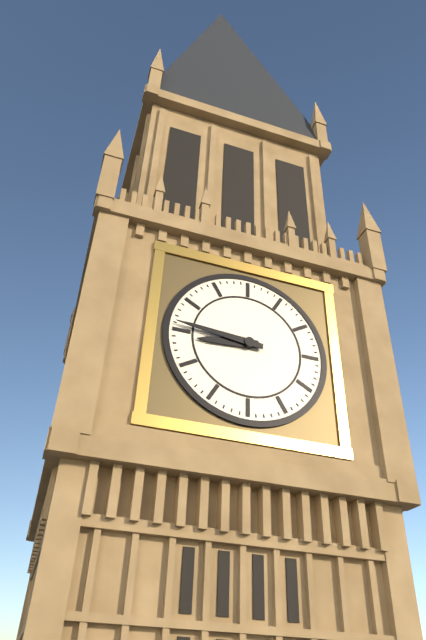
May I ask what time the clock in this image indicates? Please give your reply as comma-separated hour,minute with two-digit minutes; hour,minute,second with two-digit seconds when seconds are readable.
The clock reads 8,46
